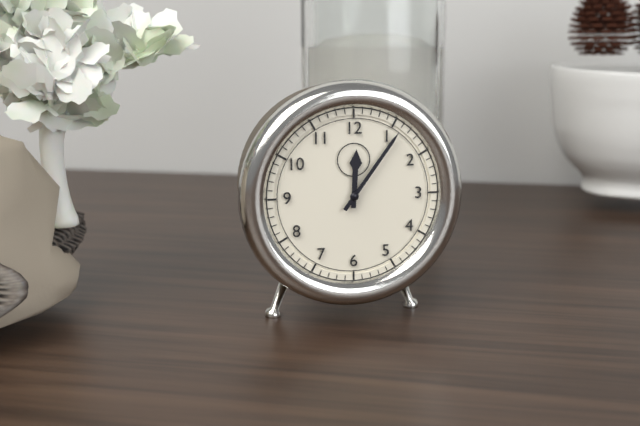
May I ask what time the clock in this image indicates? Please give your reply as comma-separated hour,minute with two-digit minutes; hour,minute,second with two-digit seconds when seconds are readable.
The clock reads 12,06
